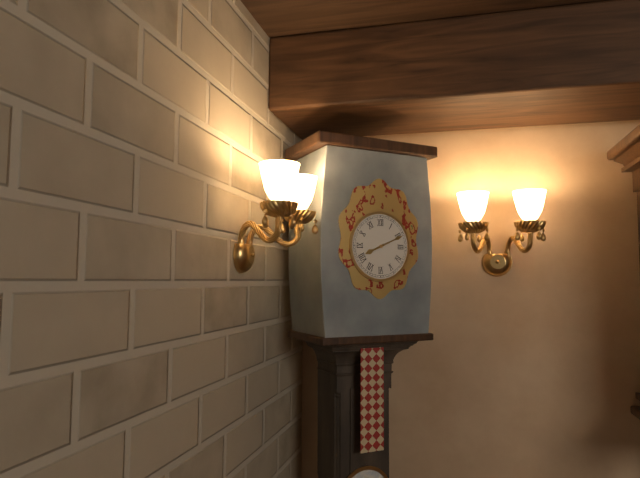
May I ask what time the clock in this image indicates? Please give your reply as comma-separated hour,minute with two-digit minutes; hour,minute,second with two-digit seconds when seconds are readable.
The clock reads 8,11
